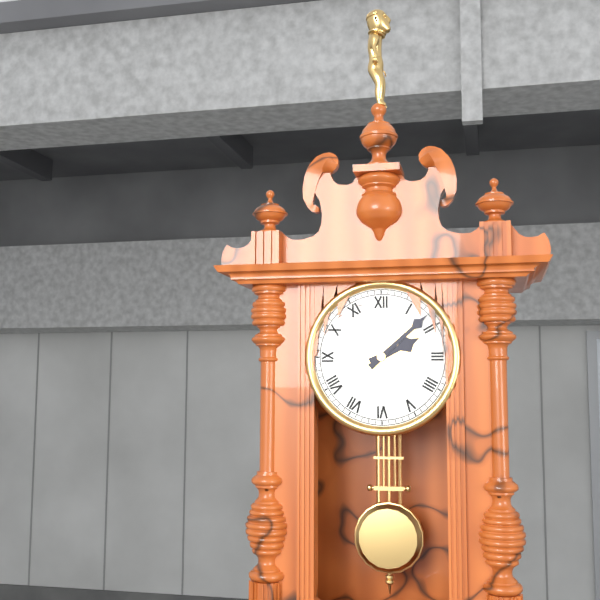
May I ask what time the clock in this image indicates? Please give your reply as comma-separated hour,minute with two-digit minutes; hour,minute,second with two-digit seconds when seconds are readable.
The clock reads 2,08
